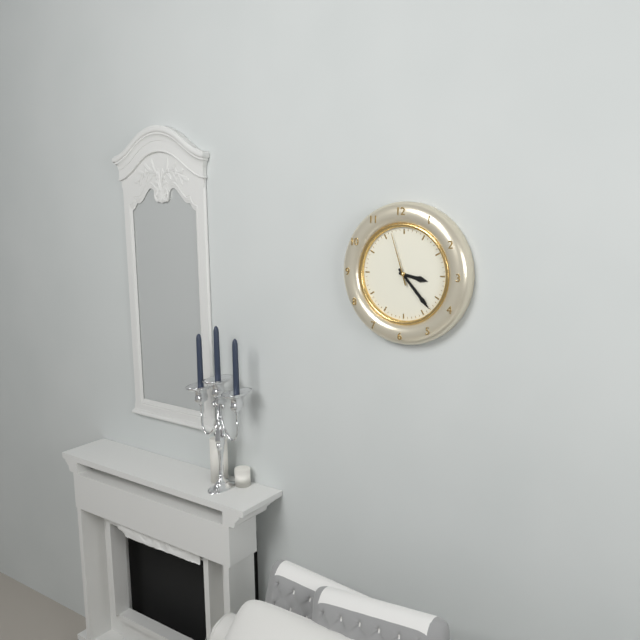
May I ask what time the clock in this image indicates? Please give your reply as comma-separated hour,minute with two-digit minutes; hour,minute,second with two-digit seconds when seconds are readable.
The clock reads 3,23,57
